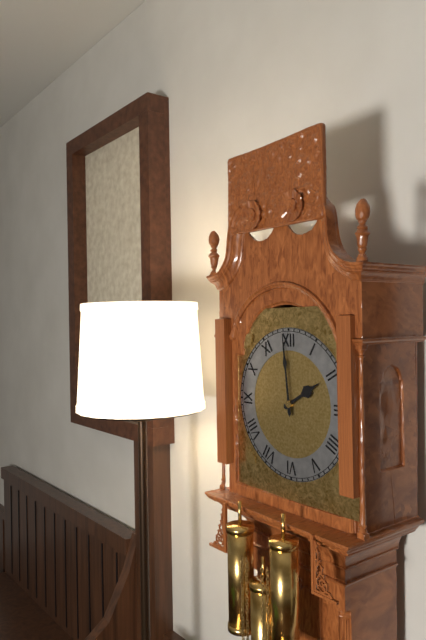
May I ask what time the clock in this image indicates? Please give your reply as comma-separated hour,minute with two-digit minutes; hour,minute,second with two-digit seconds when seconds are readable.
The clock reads 1,59
